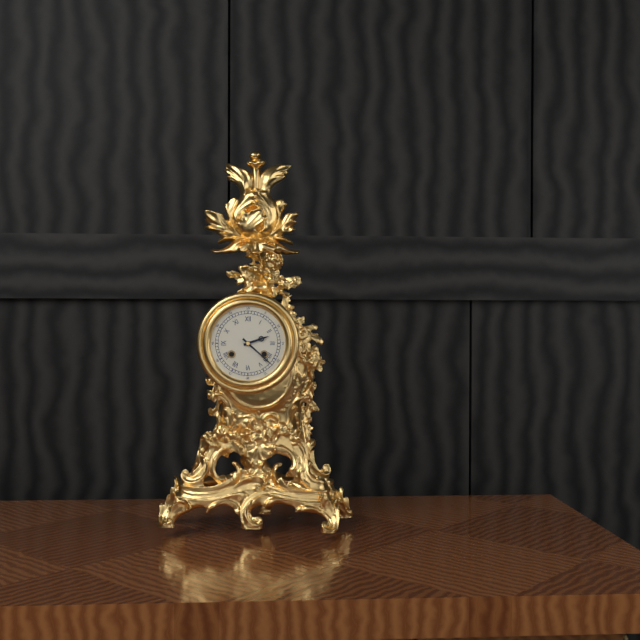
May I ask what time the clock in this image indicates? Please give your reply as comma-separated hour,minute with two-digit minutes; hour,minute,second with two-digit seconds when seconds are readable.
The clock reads 2,22
